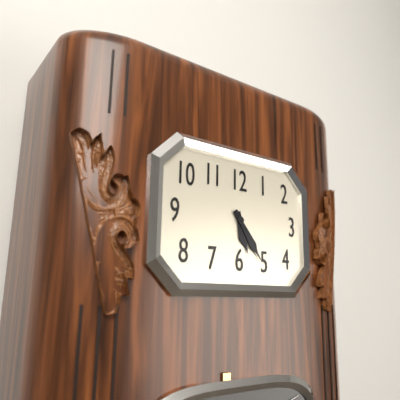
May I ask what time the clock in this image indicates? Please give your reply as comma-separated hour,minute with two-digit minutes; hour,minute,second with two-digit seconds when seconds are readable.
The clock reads 5,24
